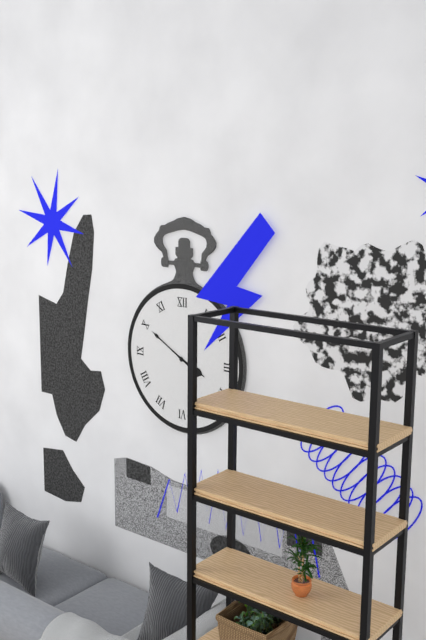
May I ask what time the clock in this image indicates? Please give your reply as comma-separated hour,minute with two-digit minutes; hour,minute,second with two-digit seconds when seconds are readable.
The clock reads 3,50
